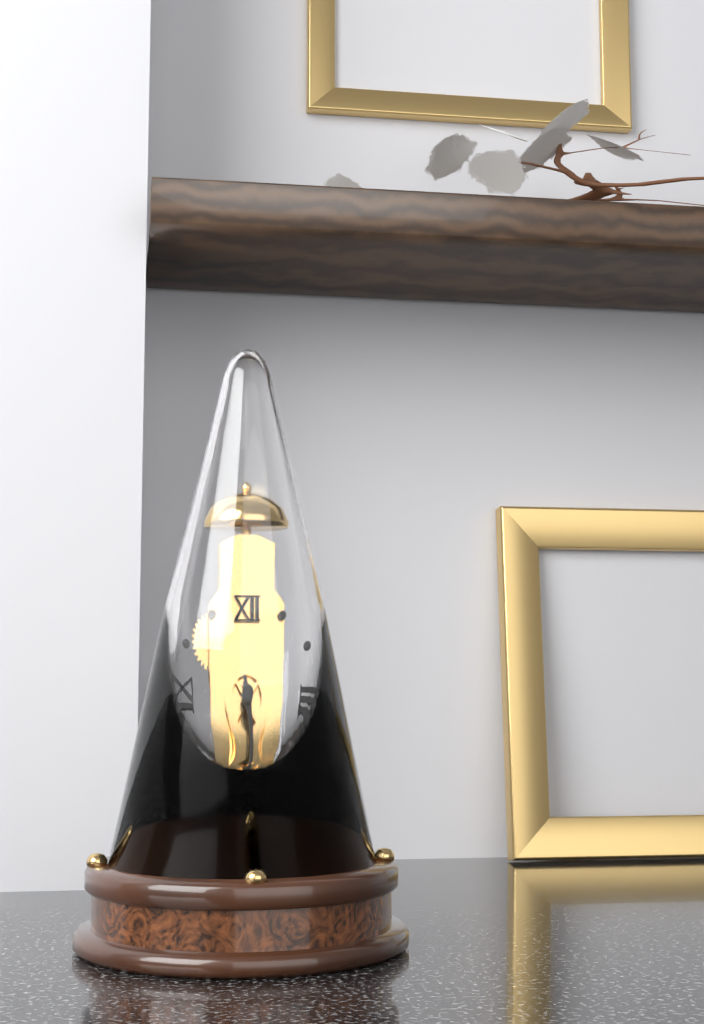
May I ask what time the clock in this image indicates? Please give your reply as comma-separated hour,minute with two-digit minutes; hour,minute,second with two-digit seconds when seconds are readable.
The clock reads 5,28
